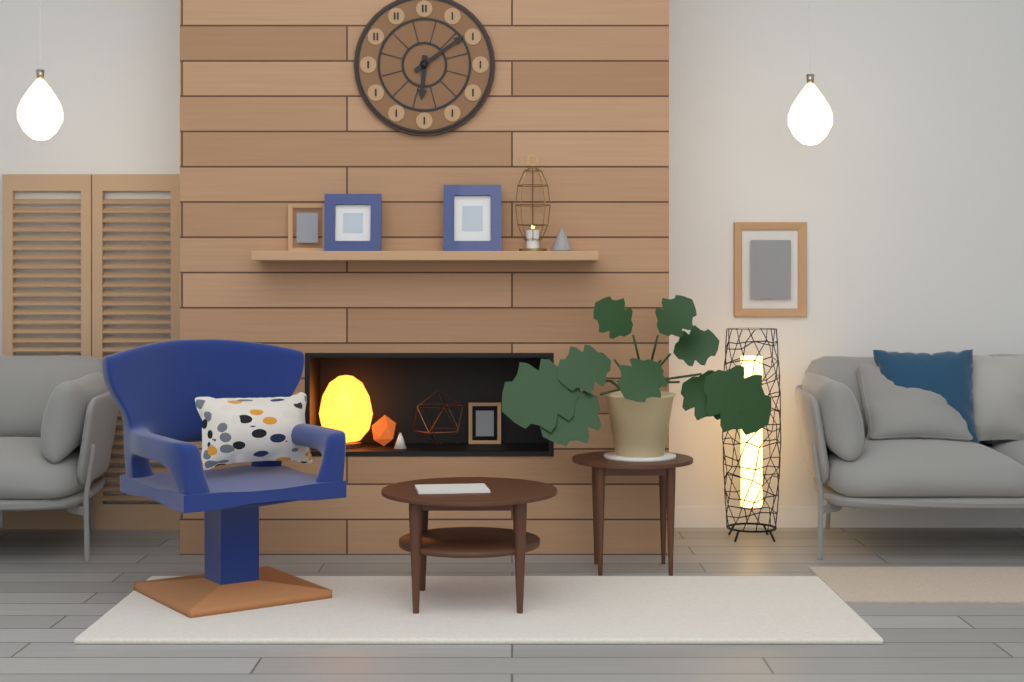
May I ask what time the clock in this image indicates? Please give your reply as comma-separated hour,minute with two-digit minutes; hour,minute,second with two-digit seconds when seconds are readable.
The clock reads 6,09
